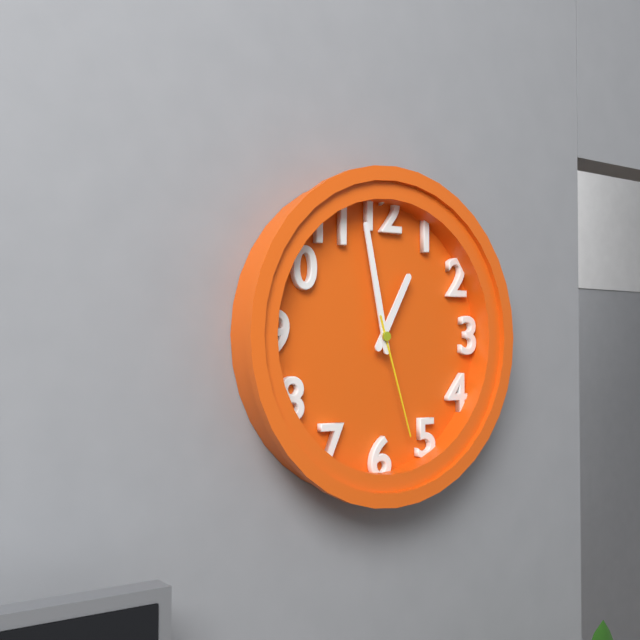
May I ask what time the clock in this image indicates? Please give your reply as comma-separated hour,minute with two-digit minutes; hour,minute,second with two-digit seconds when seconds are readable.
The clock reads 12,58,27
